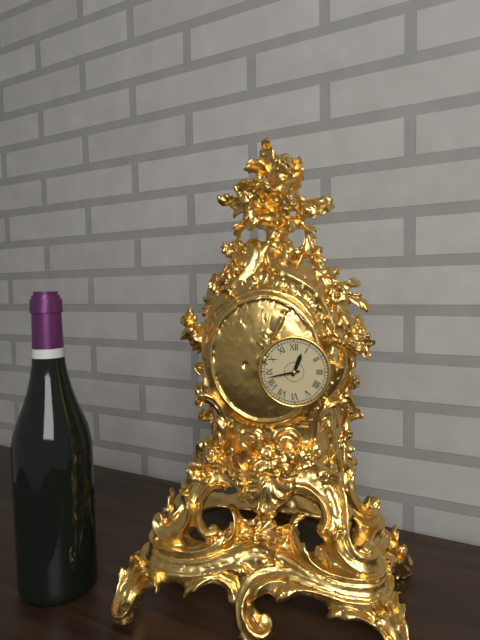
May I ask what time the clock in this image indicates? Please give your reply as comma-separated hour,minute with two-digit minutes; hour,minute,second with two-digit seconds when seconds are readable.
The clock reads 12,43
